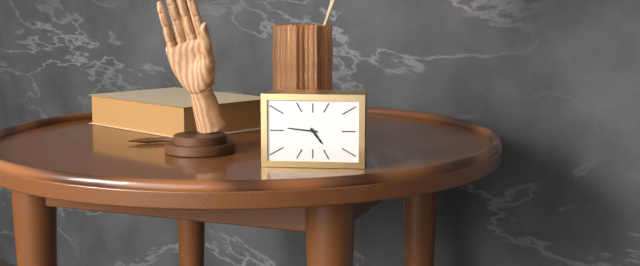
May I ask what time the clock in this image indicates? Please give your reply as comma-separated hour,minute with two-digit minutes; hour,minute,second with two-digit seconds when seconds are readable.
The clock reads 4,46
